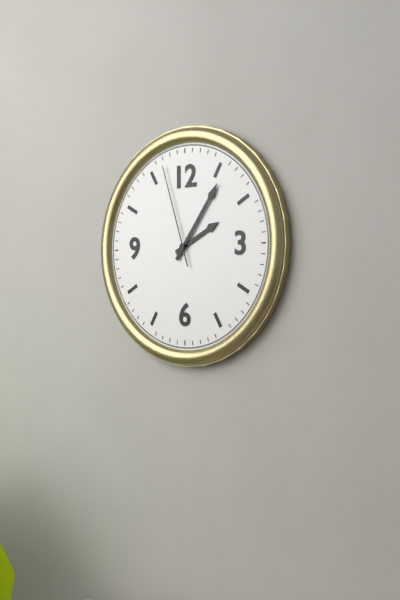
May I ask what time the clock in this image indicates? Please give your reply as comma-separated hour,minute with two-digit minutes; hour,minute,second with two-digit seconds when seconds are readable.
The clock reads 2,06,57
